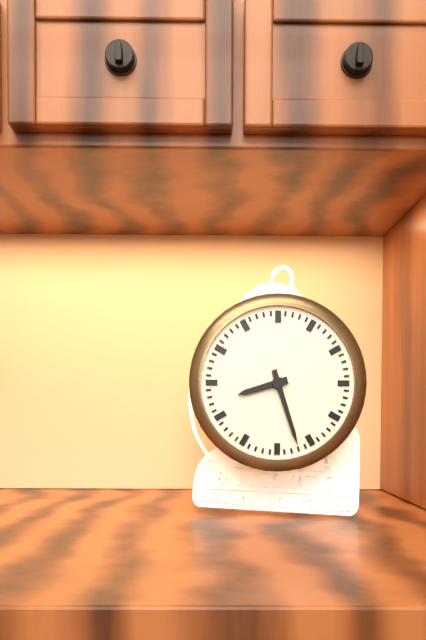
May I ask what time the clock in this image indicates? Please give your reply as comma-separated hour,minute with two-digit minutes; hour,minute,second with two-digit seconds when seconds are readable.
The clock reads 8,27
